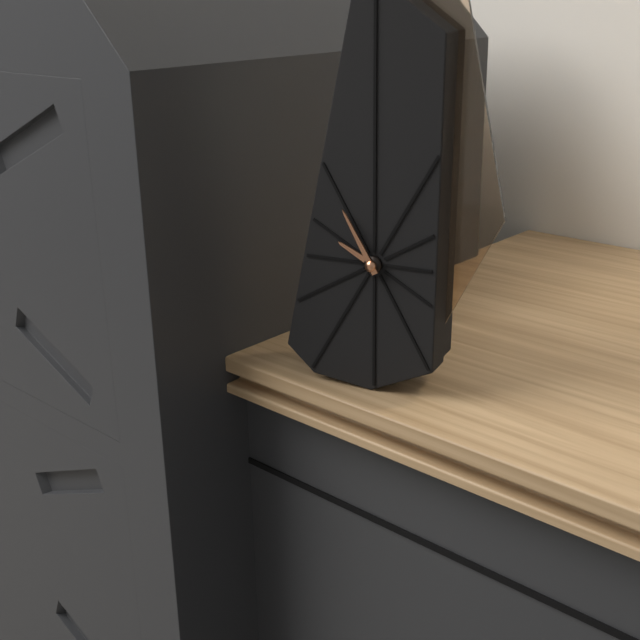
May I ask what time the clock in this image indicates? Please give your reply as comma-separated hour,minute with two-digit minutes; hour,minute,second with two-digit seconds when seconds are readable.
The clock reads 9,55
